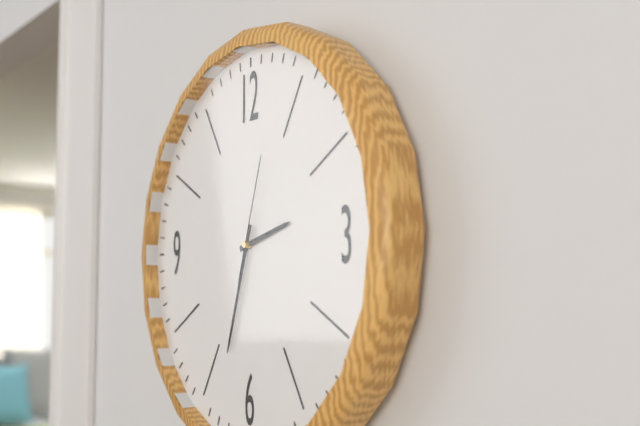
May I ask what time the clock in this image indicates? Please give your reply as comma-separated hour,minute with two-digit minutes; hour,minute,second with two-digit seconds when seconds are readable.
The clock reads 2,33,03
